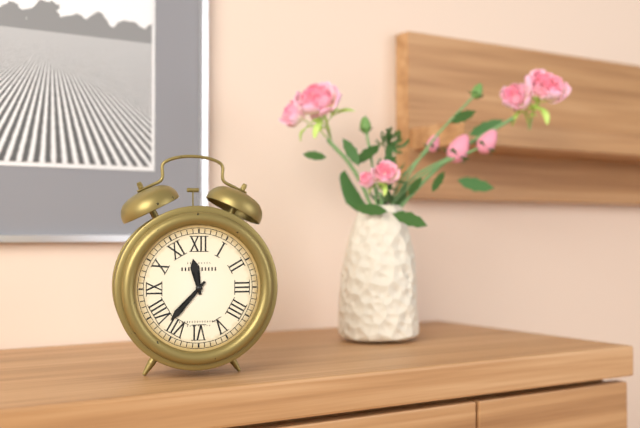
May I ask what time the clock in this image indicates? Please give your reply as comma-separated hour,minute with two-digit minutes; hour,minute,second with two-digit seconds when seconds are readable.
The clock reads 11,37
